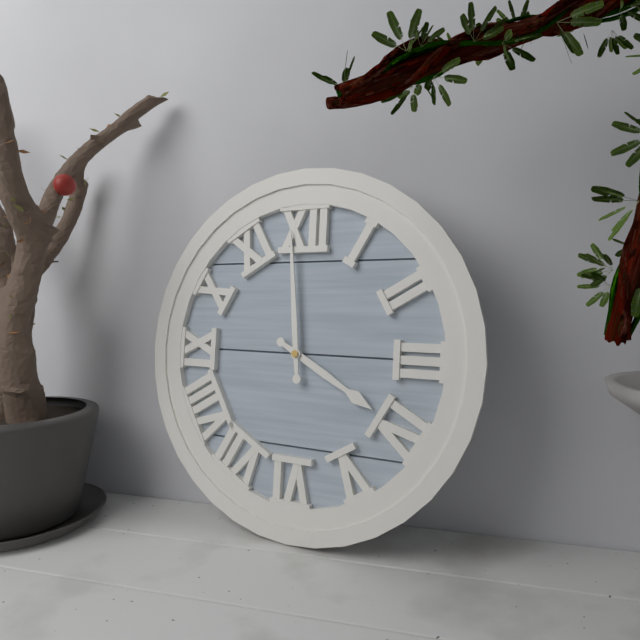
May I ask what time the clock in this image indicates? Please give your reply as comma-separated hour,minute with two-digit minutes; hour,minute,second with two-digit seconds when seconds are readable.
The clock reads 3,59
